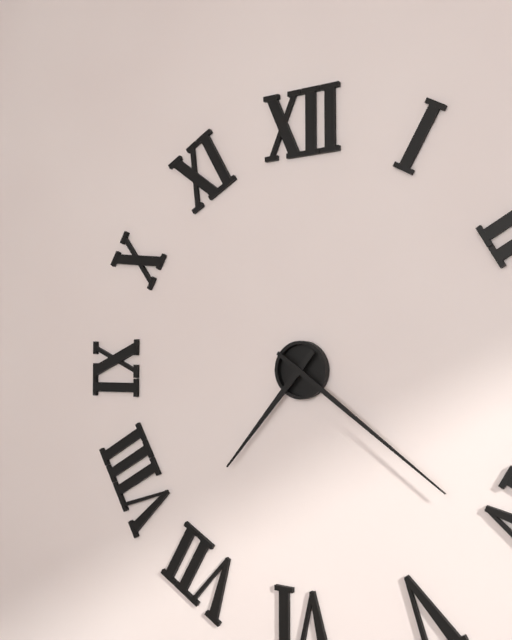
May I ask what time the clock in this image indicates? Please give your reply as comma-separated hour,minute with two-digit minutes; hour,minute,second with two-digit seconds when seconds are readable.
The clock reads 7,21
